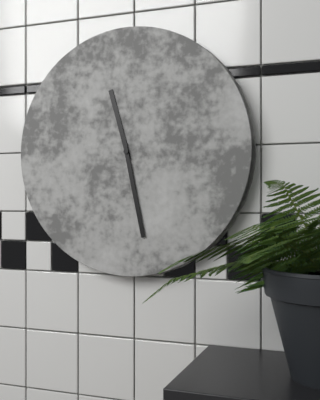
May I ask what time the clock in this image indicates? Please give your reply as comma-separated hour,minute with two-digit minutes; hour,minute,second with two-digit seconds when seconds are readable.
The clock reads 11,28
